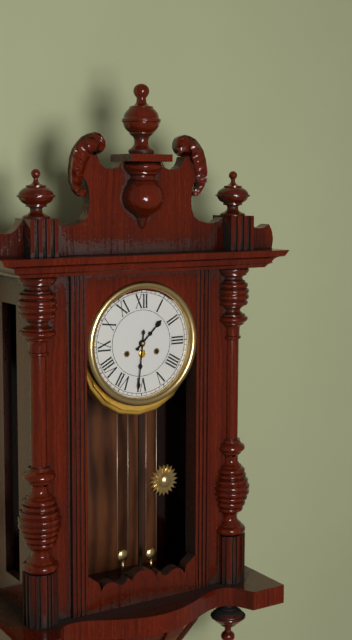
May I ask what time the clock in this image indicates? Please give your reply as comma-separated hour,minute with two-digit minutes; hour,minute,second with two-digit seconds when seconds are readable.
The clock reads 1,31
